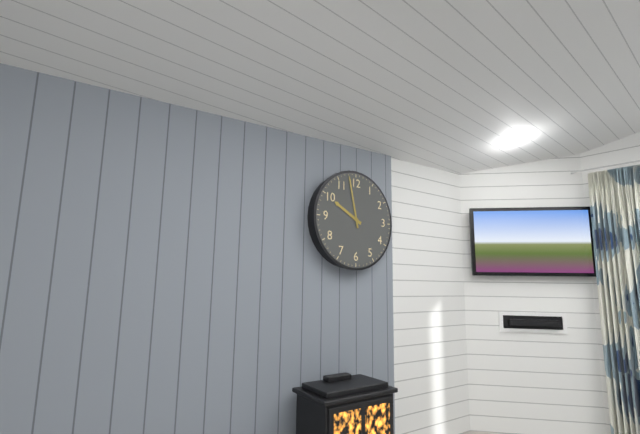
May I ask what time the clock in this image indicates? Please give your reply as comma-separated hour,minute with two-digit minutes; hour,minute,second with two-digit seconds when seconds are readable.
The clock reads 9,58
